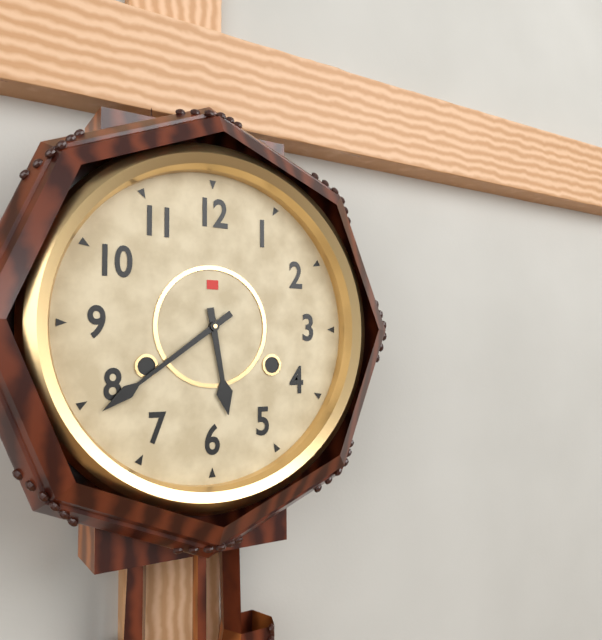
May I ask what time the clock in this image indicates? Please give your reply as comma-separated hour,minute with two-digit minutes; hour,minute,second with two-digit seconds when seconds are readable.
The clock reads 5,39
